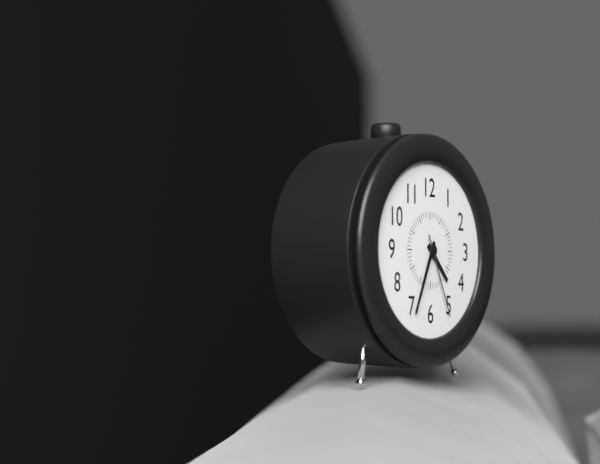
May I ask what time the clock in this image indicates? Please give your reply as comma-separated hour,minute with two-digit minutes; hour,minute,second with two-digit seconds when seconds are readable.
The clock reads 4,34,26
